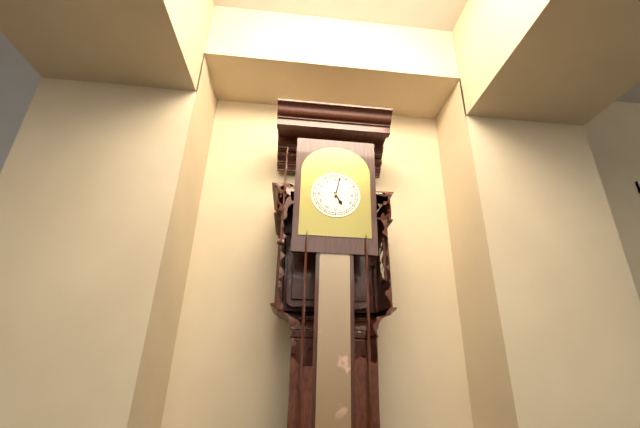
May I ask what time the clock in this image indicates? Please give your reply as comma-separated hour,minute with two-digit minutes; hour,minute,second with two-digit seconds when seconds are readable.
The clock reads 5,02
